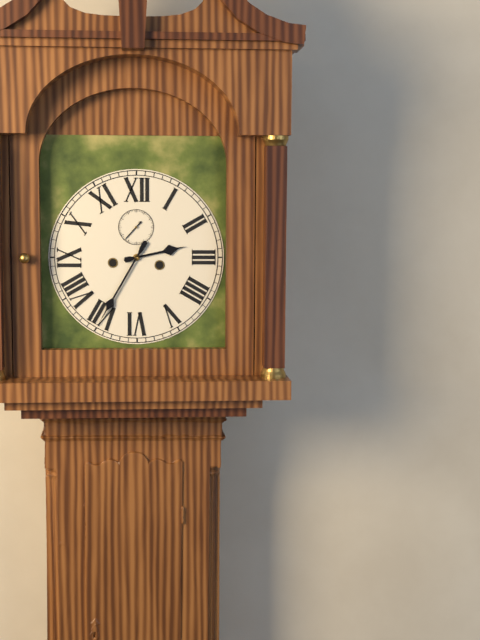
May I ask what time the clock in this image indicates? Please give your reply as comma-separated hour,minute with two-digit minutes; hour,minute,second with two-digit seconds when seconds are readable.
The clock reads 2,35
